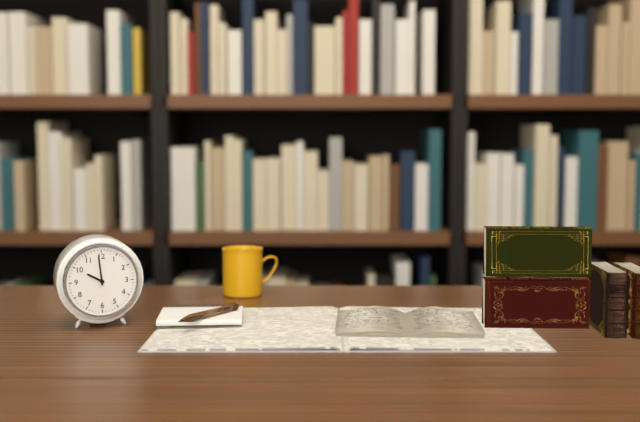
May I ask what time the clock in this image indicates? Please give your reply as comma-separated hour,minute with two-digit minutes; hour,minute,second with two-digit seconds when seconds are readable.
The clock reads 9,59
